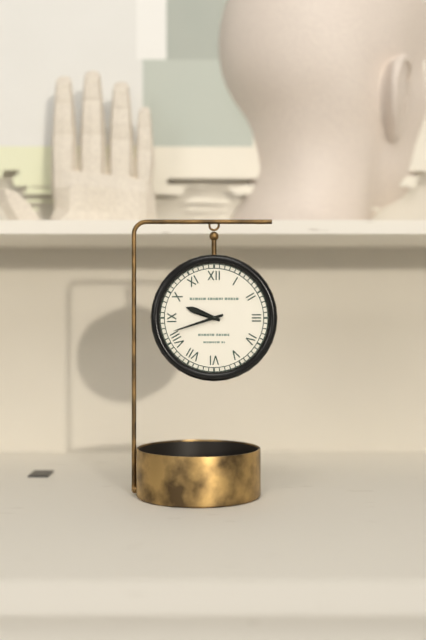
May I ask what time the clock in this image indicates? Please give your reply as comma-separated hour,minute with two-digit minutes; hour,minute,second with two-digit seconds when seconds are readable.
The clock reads 9,42
